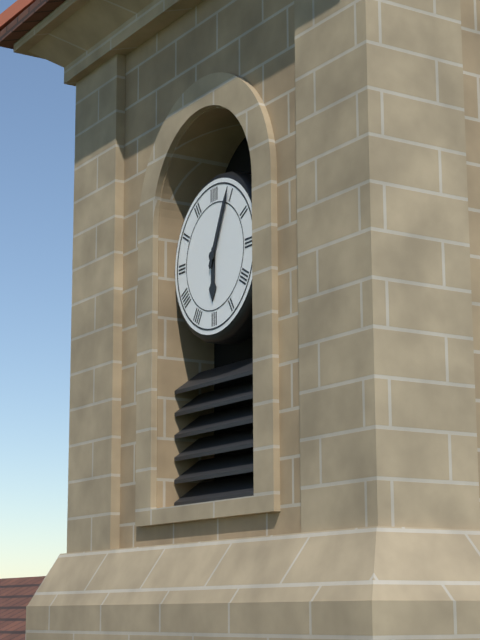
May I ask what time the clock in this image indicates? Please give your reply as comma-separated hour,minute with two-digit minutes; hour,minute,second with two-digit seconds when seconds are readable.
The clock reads 6,04
